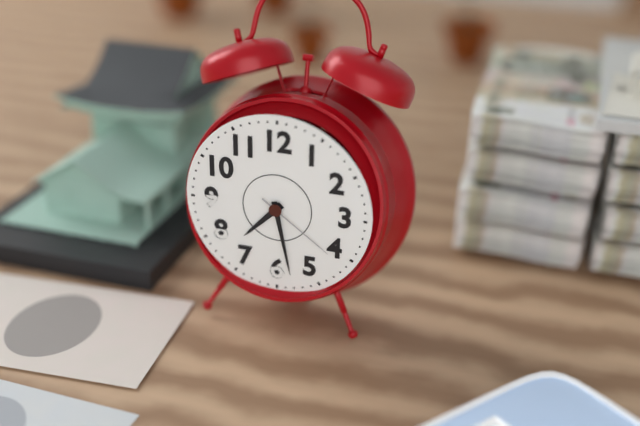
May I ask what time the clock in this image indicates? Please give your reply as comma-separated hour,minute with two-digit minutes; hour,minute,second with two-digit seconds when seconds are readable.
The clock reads 7,28,21
